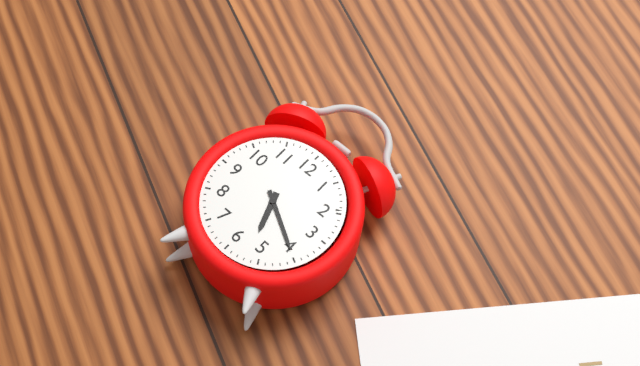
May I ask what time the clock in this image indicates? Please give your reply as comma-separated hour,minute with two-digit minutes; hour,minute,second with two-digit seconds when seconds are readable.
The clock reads 5,20
